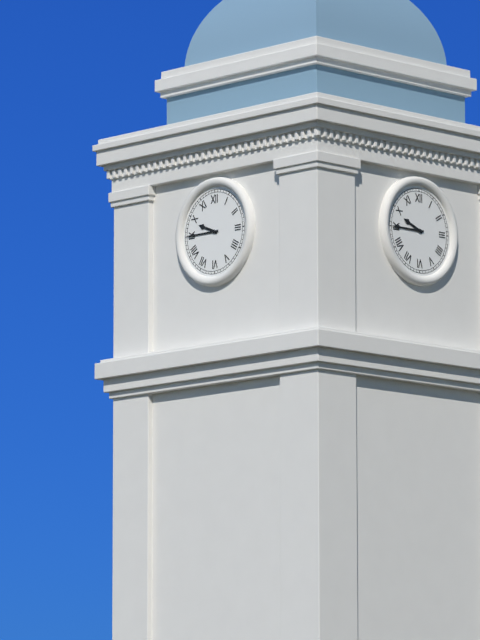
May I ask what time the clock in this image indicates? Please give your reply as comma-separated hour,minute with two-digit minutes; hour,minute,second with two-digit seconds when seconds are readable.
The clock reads 9,45
